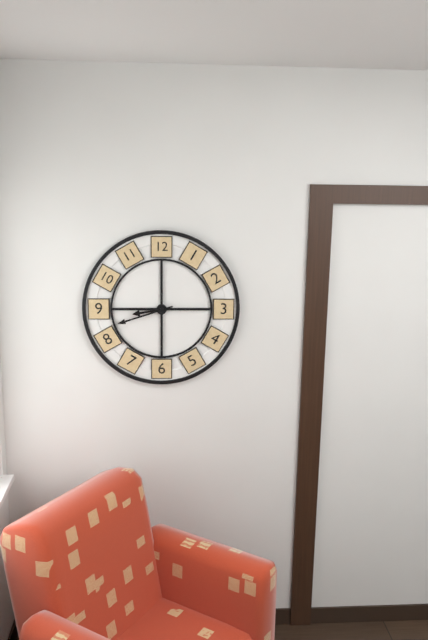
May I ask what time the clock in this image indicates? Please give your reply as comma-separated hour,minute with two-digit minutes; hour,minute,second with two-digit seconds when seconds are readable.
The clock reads 8,42
